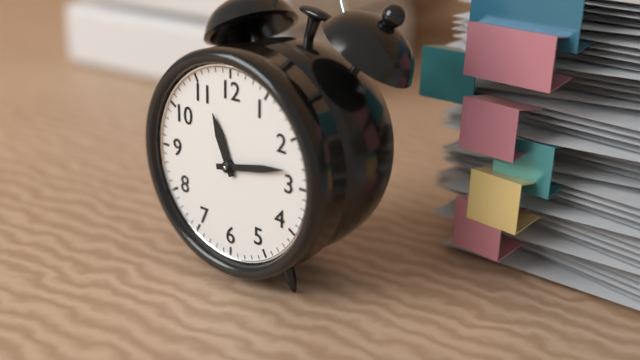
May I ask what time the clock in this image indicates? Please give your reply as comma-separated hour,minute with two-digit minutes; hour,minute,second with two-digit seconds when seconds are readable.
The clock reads 11,13
